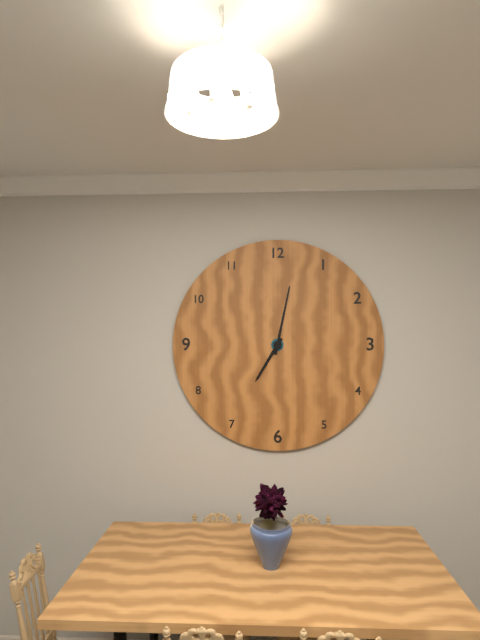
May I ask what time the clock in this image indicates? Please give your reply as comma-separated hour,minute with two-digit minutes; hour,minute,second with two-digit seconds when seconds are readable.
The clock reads 7,02
